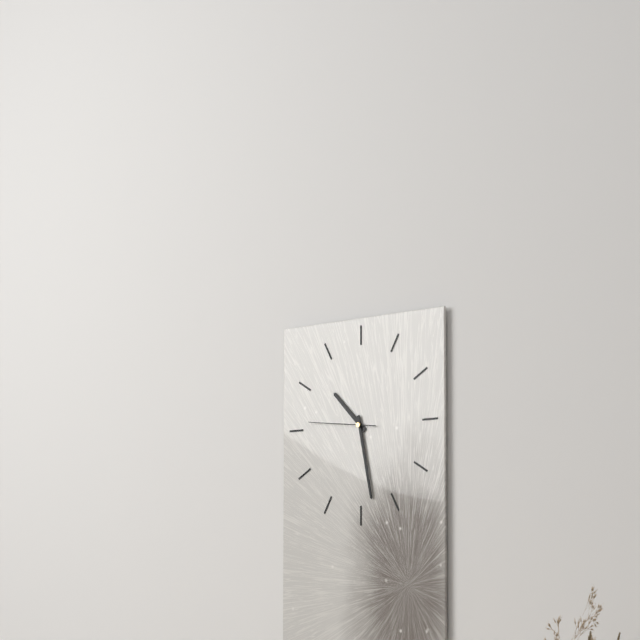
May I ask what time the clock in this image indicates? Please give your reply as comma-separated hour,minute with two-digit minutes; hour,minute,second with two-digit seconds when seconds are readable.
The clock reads 10,28,46
